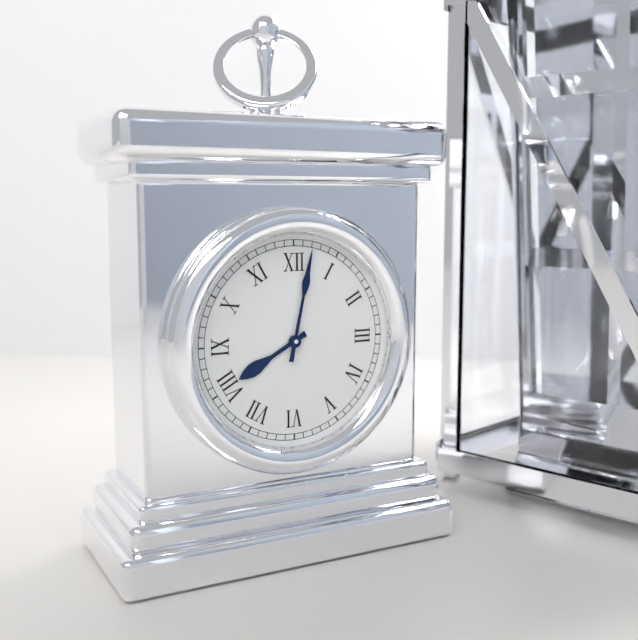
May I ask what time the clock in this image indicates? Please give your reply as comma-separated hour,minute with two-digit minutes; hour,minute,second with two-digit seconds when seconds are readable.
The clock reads 8,02
